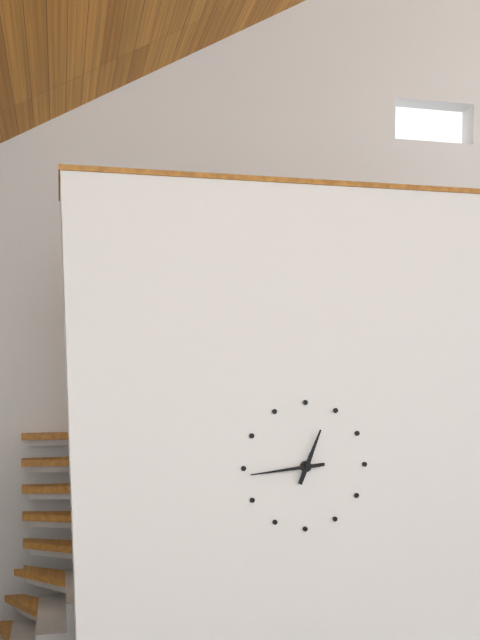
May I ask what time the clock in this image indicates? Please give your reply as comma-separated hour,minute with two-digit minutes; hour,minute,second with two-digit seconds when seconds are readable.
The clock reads 12,44
